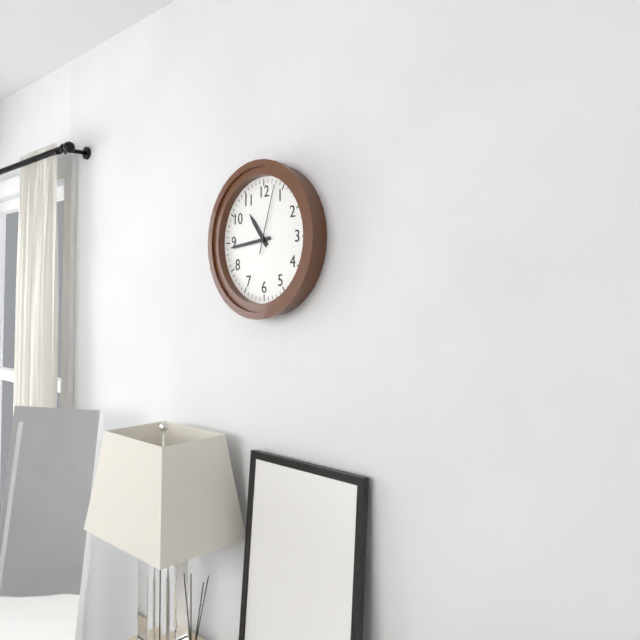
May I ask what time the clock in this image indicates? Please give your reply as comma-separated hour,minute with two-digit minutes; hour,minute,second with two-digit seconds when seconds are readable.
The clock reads 10,44,03
